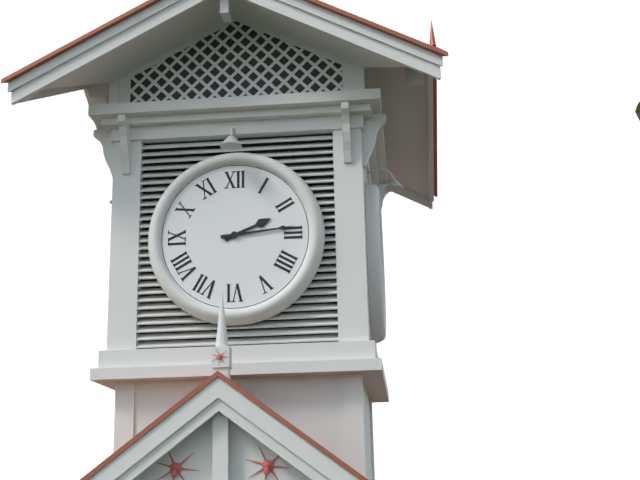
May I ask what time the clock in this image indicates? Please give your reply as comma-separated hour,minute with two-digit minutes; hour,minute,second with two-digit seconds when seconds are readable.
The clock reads 2,14
